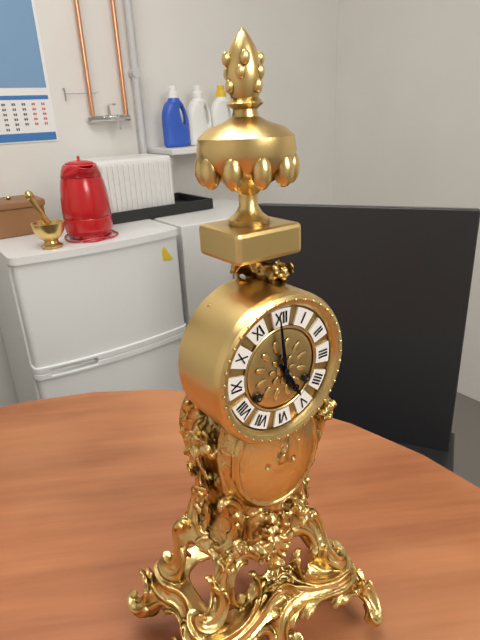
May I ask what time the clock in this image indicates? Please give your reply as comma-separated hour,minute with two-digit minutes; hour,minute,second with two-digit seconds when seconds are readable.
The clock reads 4,59
